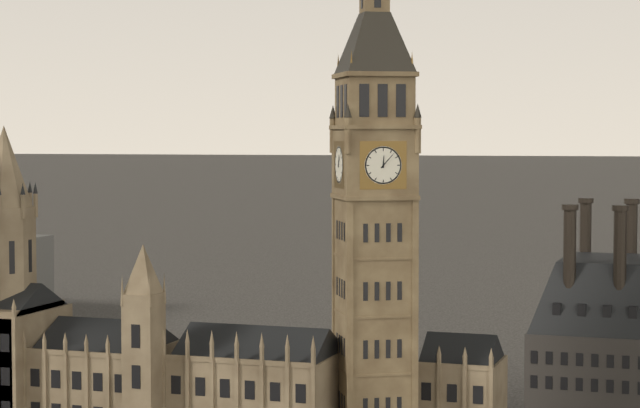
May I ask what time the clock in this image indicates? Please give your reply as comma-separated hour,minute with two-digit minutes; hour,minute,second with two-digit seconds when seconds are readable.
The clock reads 12,07
